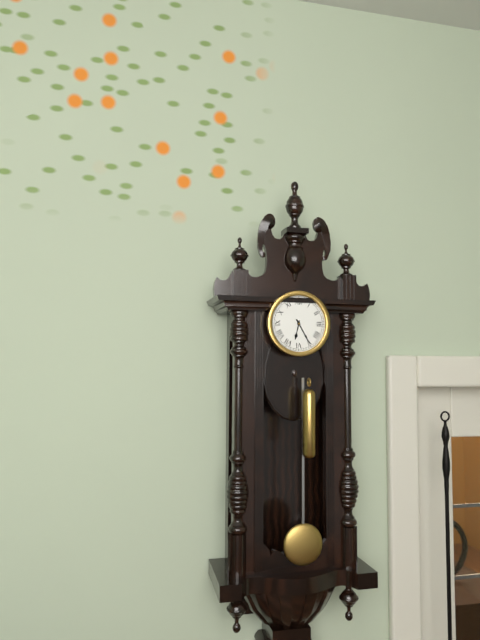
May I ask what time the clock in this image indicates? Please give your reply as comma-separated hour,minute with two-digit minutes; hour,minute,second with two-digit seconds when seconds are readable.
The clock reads 6,25
